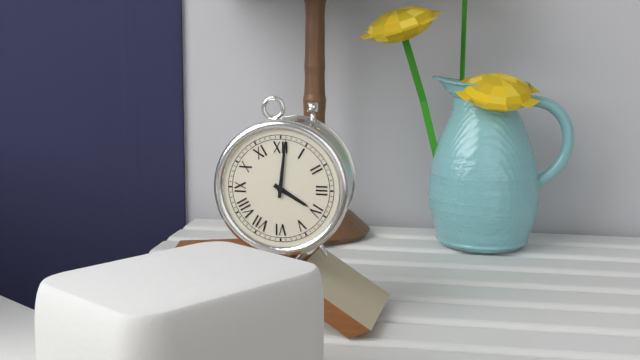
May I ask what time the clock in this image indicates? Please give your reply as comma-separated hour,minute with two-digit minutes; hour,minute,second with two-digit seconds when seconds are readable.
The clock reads 4,01
